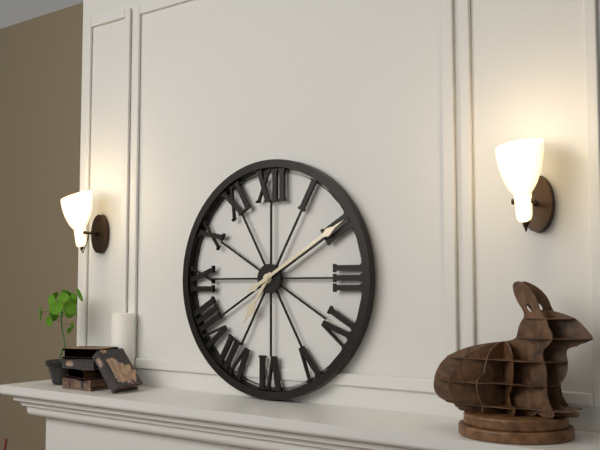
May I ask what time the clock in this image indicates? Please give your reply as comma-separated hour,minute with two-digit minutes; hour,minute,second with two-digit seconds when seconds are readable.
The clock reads 7,10
